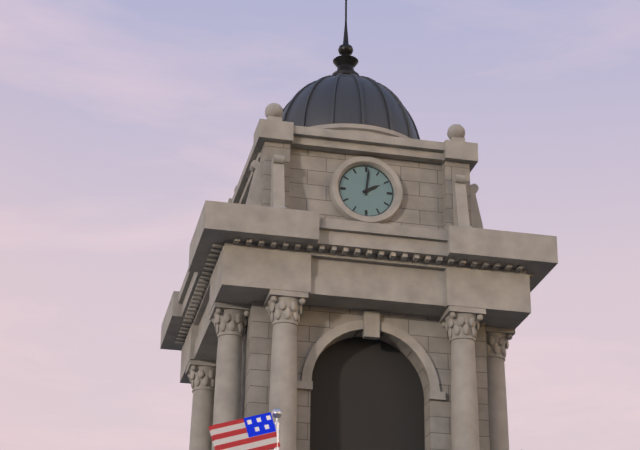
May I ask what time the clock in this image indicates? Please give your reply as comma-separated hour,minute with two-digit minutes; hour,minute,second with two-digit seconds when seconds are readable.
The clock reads 2,01
